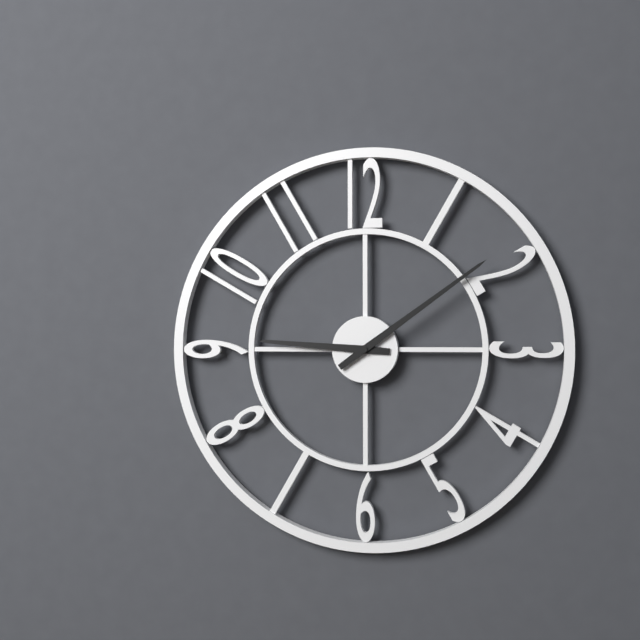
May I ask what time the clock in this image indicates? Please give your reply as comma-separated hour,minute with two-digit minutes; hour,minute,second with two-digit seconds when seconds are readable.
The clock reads 9,09
